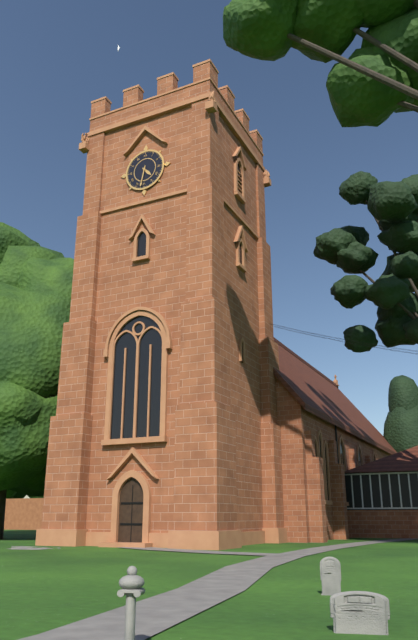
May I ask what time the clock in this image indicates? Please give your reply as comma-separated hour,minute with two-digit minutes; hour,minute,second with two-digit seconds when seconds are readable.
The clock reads 4,32
